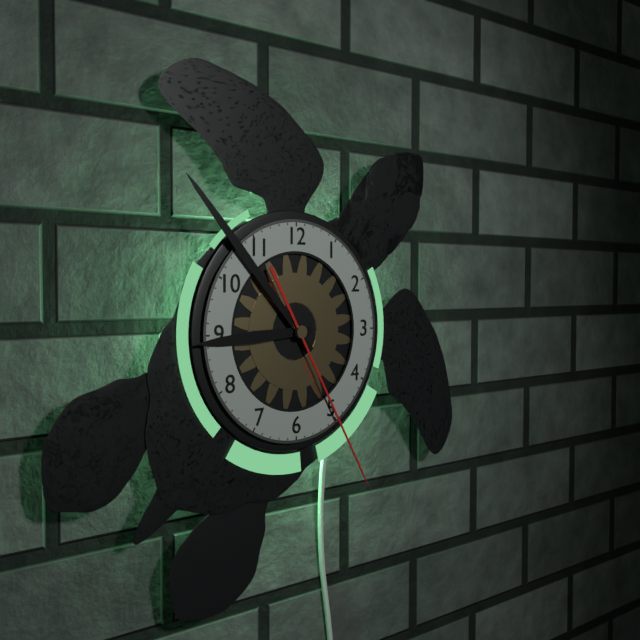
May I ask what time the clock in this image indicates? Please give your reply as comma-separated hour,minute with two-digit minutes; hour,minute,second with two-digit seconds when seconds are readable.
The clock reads 8,53,25
